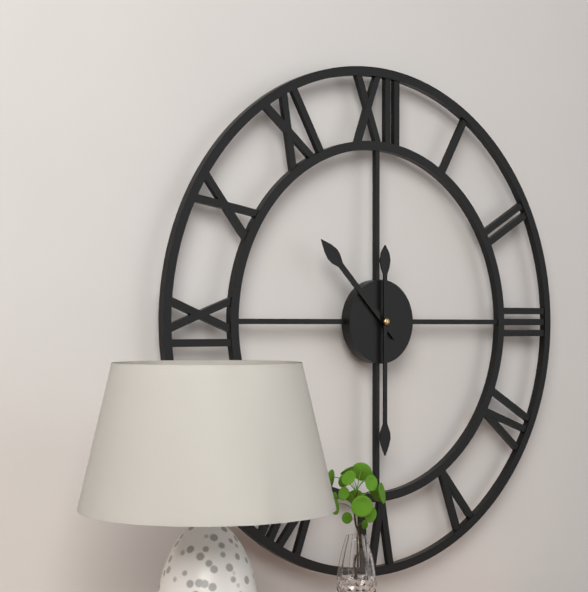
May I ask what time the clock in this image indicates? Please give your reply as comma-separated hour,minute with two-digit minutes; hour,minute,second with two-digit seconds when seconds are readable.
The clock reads 10,30
